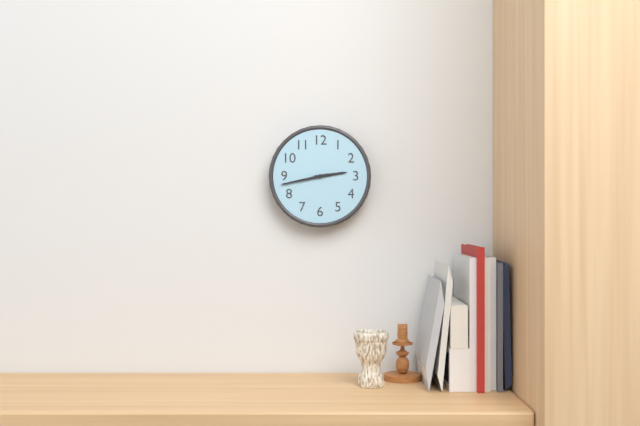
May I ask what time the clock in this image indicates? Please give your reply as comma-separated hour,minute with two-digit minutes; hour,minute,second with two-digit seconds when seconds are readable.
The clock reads 2,43
